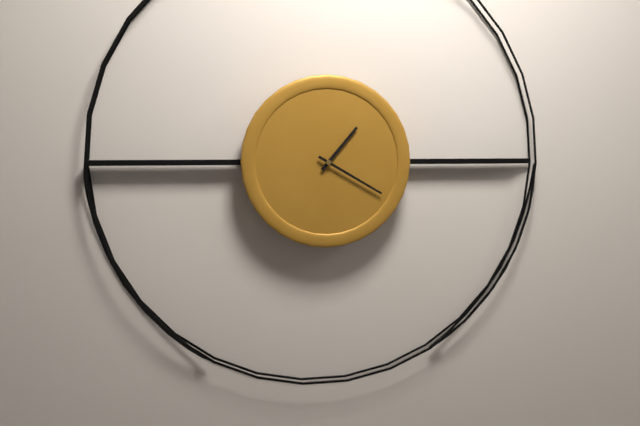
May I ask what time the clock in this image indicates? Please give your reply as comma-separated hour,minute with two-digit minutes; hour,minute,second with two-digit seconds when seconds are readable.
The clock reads 1,20
